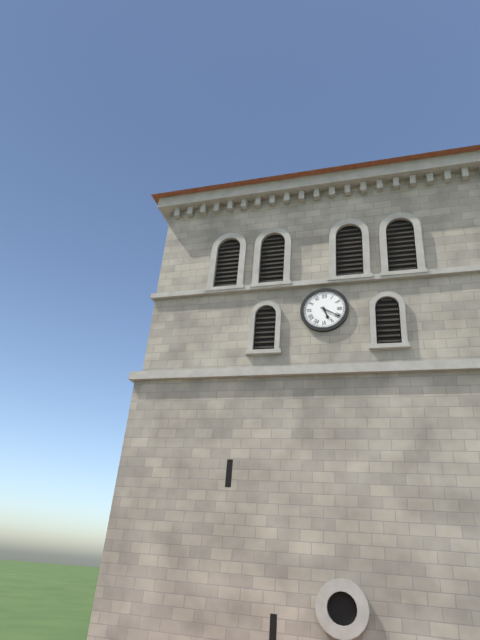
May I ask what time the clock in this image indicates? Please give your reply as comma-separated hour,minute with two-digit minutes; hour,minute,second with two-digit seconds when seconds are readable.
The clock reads 5,20
